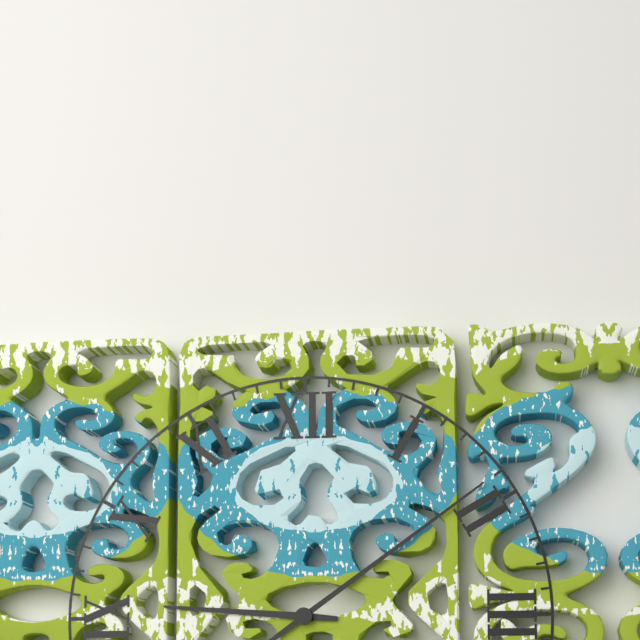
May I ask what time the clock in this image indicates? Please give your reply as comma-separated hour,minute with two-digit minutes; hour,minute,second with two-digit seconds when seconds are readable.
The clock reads 9,09
